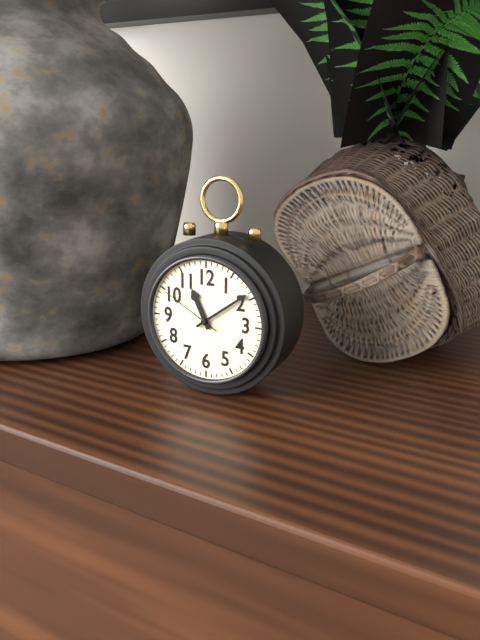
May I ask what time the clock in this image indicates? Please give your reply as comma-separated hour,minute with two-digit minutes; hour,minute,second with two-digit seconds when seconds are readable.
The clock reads 11,09,50
